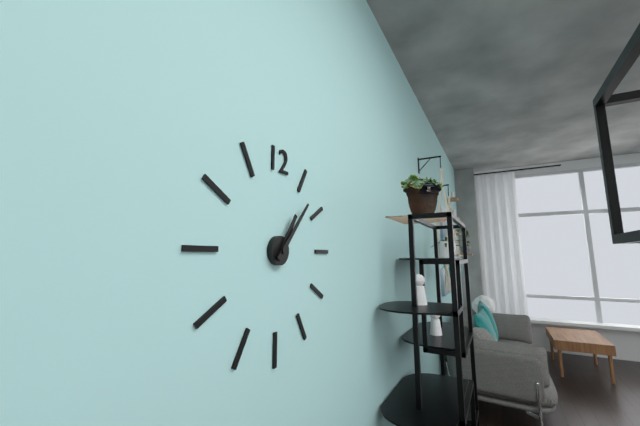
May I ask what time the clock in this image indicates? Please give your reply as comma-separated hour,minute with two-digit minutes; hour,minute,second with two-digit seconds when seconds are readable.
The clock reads 1,07
